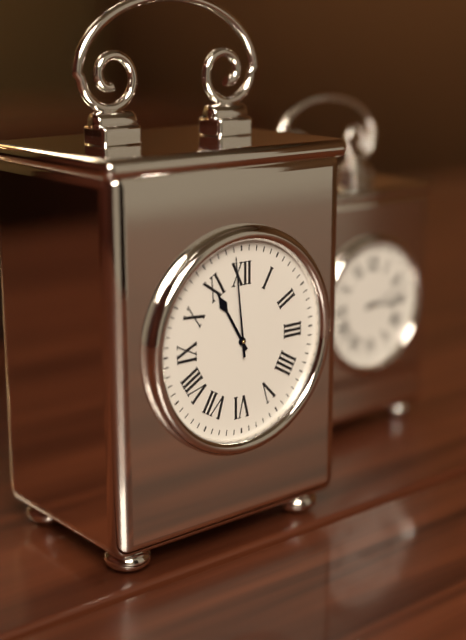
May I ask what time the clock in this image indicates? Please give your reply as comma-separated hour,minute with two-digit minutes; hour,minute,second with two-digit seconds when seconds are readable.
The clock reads 10,59
